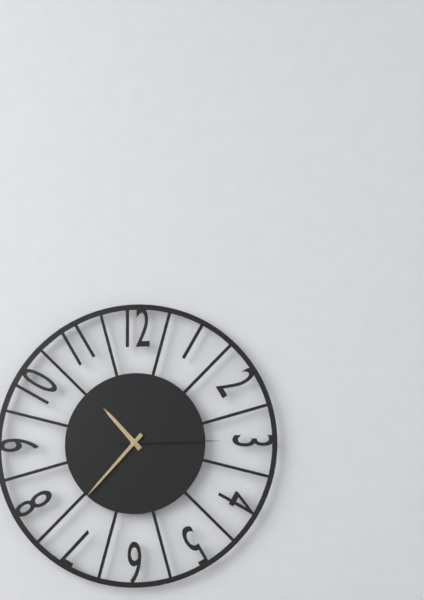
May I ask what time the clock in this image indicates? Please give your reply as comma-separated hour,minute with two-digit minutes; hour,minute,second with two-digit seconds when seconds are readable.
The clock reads 10,37,15
